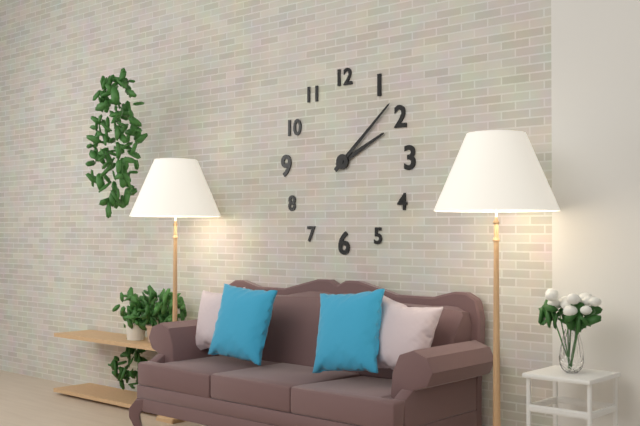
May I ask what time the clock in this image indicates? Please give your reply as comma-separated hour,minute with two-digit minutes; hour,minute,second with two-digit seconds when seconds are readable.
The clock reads 2,08
